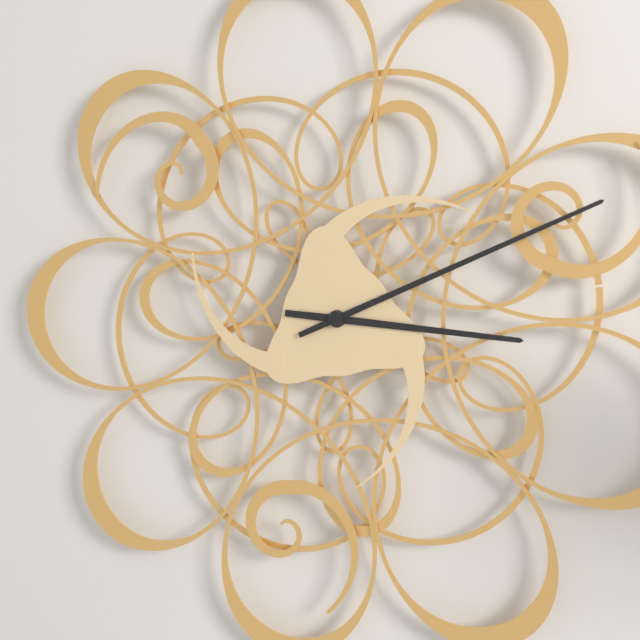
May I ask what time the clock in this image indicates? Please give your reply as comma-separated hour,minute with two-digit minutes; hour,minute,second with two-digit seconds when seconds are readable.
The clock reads 3,11
